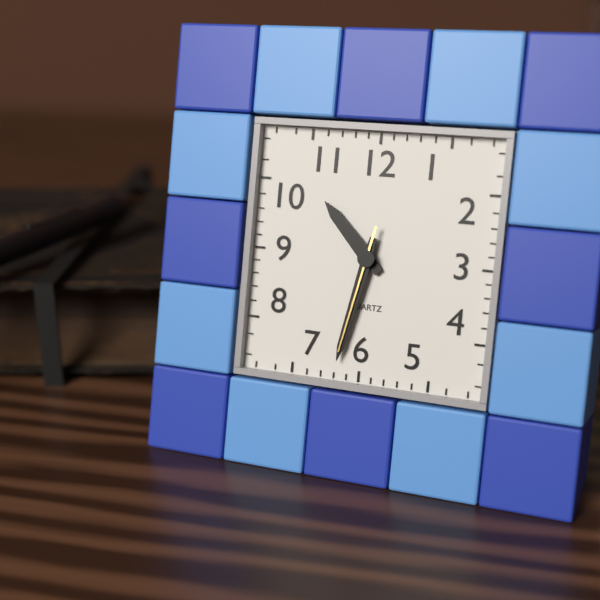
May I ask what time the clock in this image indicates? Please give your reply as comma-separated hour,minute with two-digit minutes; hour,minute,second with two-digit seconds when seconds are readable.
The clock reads 10,32,32
